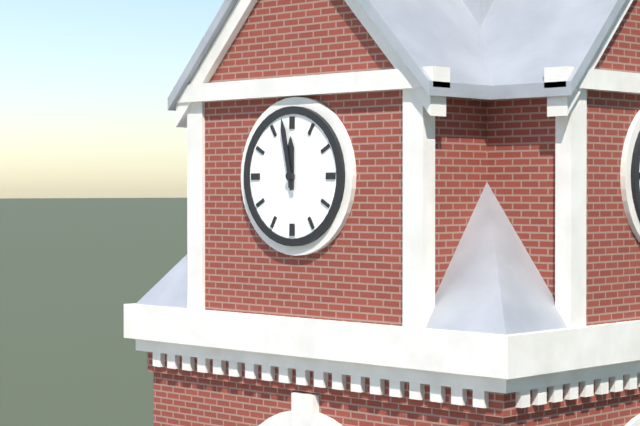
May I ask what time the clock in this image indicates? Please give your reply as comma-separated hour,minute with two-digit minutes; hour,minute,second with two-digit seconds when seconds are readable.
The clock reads 11,58
